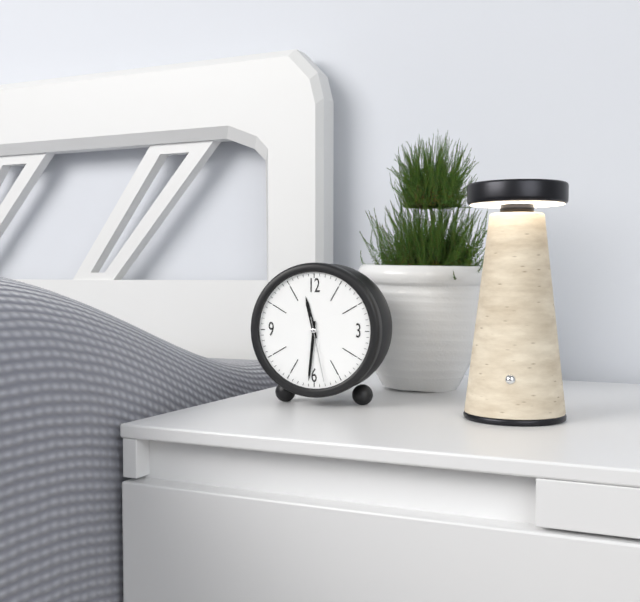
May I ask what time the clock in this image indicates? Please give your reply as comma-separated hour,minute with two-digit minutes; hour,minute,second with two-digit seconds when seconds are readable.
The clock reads 11,31,28
